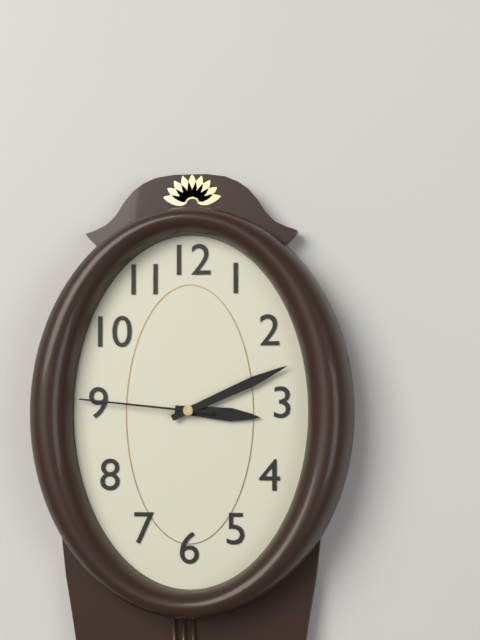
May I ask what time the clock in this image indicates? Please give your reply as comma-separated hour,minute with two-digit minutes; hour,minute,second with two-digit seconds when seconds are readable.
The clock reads 3,11,46
